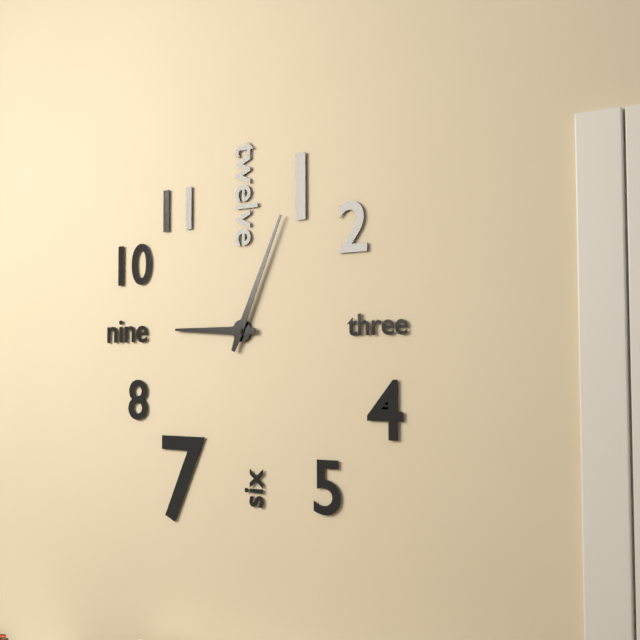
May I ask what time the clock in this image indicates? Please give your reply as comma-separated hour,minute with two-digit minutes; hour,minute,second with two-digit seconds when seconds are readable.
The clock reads 9,04
